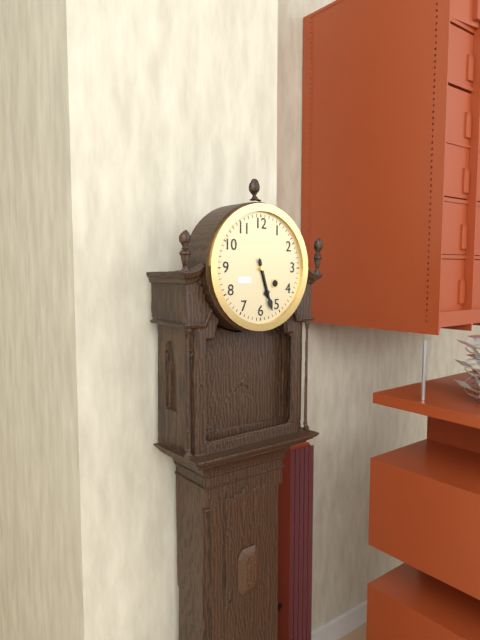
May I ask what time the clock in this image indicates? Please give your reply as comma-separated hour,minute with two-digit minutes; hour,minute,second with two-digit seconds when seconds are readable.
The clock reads 5,27
